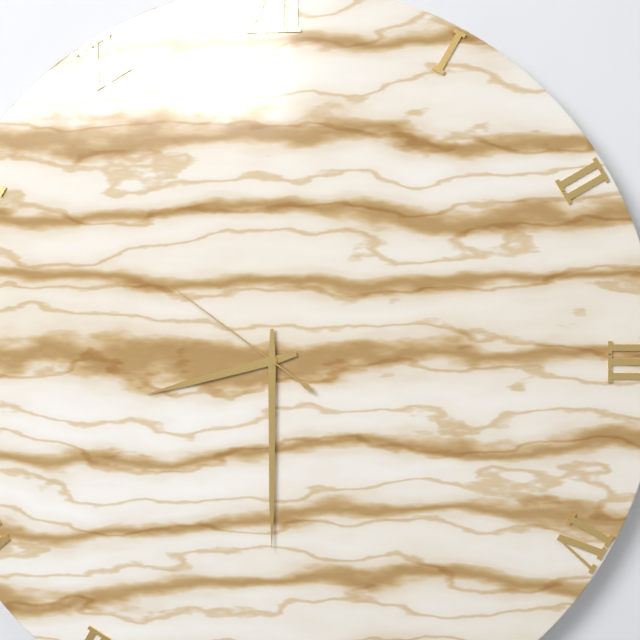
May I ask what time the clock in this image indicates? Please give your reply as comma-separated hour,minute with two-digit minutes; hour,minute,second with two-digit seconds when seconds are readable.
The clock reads 8,30,51
